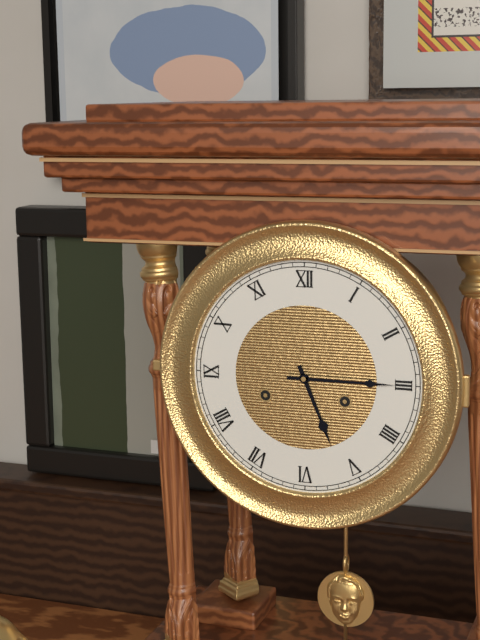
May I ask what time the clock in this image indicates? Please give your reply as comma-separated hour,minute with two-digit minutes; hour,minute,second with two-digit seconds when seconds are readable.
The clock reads 5,15
